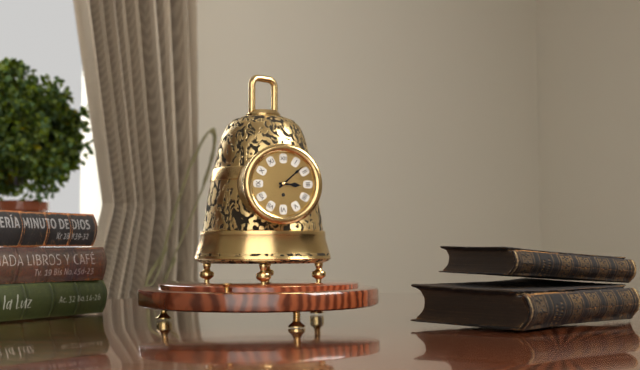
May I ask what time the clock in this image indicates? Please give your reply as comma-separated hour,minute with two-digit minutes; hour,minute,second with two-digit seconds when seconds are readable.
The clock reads 3,08
